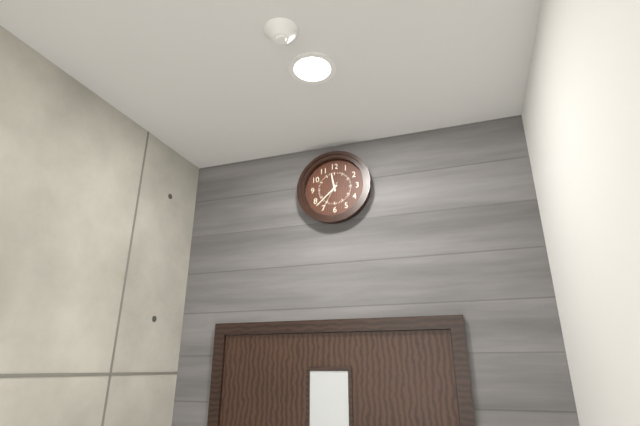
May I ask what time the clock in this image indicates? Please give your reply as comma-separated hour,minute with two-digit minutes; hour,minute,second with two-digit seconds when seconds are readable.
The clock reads 11,38
